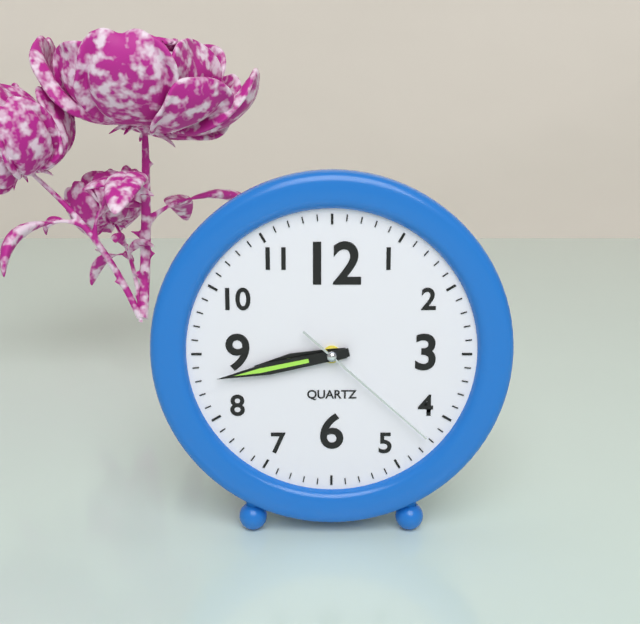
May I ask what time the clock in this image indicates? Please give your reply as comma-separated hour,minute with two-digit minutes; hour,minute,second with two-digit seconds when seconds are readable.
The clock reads 8,43,22
